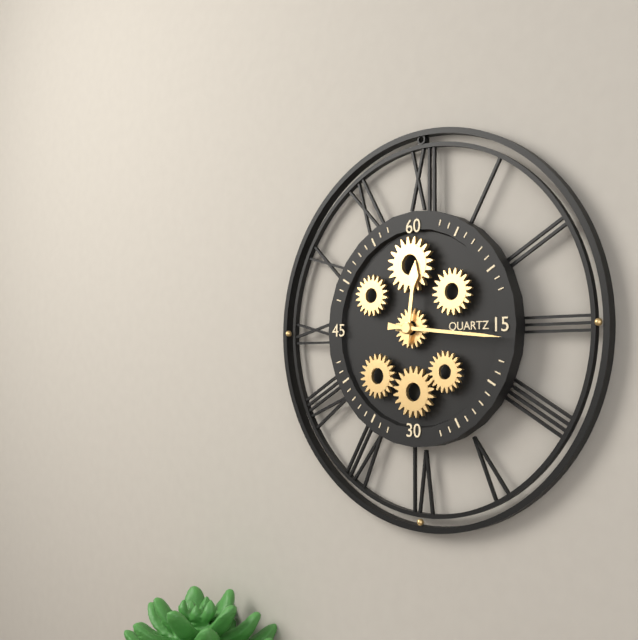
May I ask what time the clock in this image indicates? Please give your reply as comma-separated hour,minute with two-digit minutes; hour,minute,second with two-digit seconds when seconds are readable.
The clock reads 12,16
